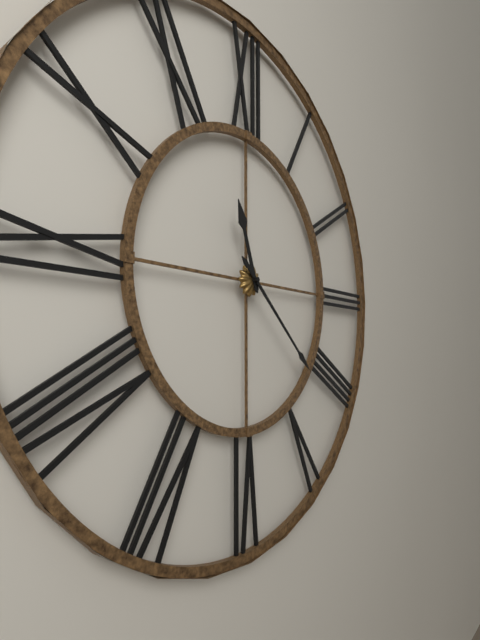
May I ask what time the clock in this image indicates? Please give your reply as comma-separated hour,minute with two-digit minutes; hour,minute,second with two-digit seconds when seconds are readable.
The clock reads 11,22
